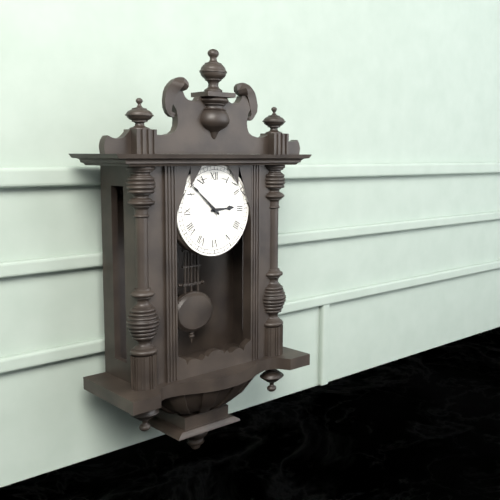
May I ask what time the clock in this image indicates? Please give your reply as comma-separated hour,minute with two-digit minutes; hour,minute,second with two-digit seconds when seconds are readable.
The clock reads 2,52
